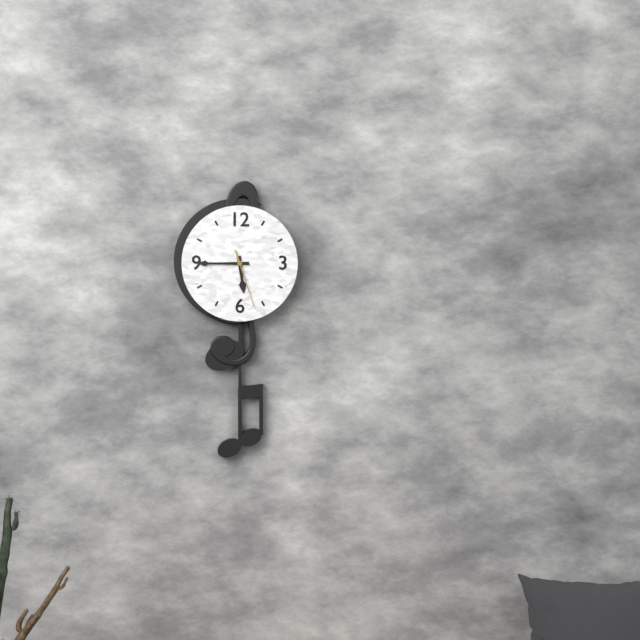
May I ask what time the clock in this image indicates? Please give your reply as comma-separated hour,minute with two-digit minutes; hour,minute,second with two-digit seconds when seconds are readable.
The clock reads 5,45,27
